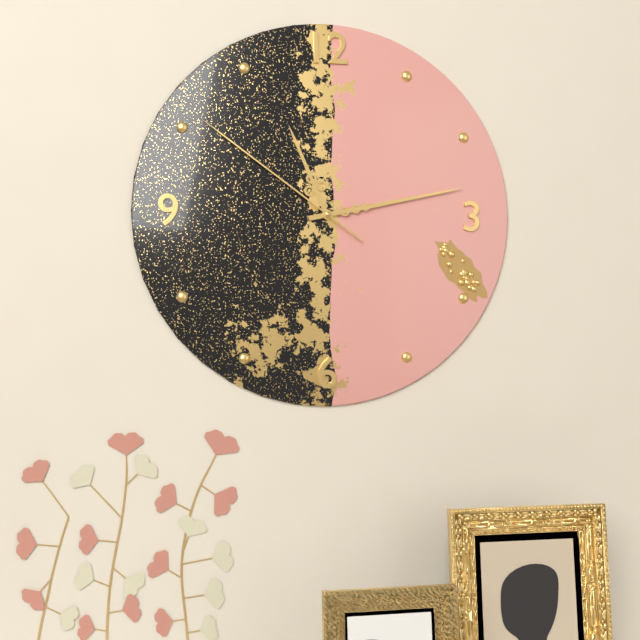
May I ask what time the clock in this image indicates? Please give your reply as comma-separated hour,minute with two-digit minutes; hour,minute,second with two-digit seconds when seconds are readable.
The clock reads 11,13,51
